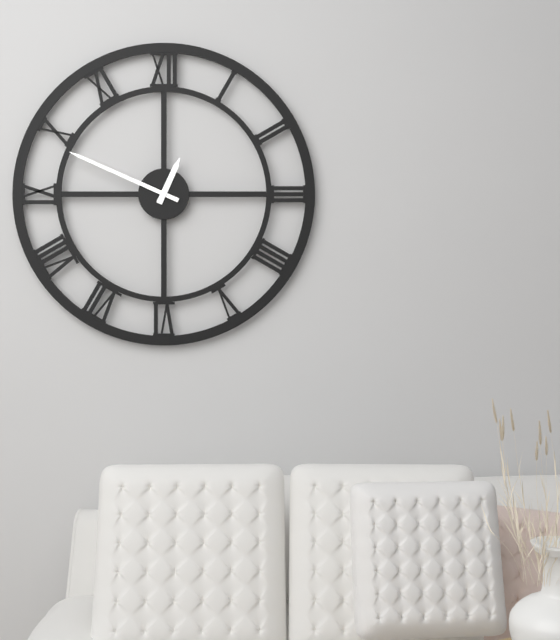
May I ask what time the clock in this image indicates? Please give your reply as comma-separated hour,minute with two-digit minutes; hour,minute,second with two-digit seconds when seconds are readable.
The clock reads 12,49
